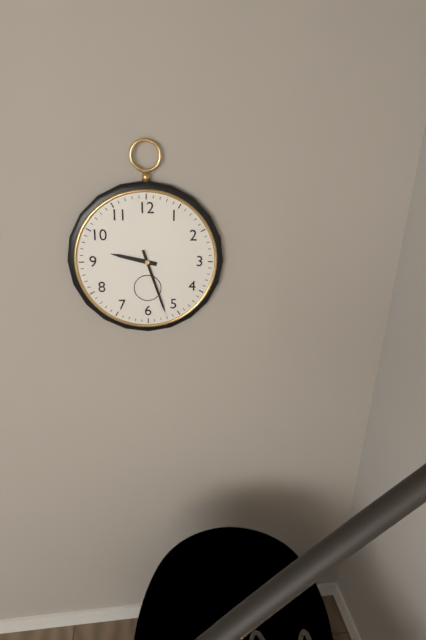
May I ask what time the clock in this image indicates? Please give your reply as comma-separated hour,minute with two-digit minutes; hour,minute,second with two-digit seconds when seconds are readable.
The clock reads 9,27
